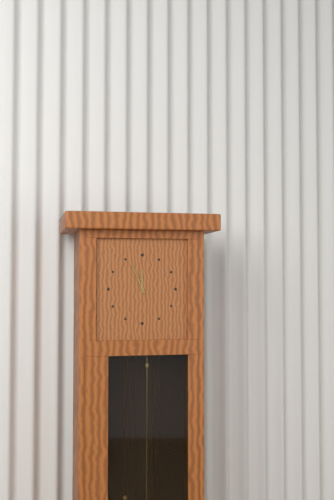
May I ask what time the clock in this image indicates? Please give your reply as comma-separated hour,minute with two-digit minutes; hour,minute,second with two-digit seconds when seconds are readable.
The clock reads 11,56
